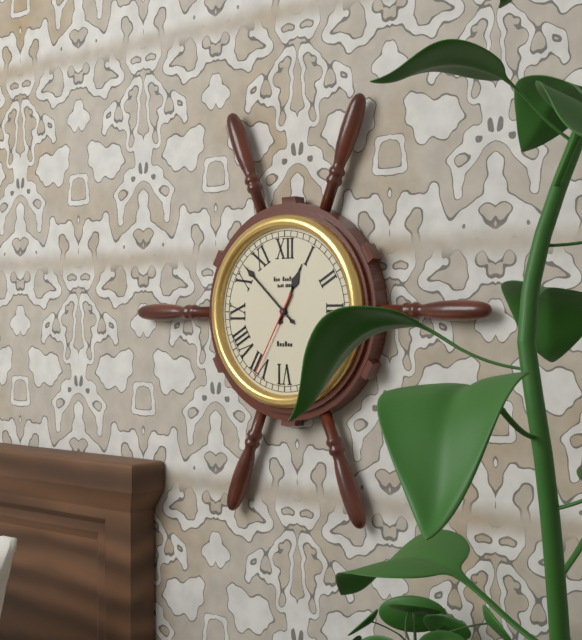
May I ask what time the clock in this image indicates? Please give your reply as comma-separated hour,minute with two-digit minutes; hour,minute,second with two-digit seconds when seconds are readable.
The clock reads 12,52,35
